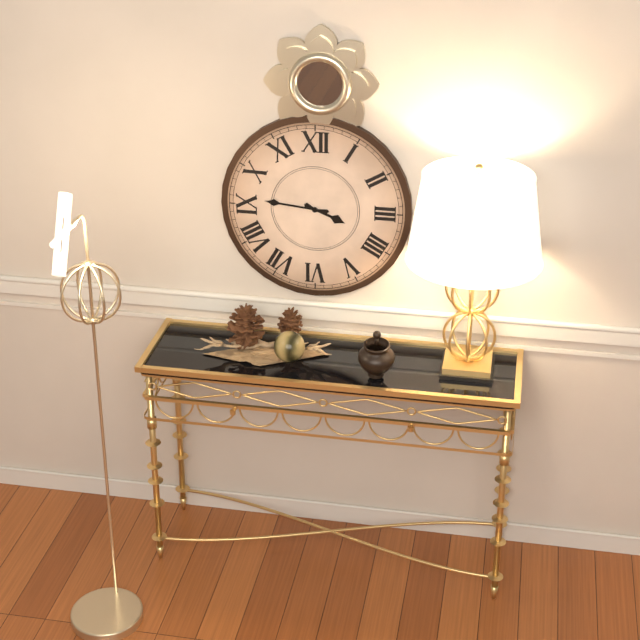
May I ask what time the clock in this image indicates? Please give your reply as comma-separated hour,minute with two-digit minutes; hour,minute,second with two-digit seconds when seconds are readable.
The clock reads 3,46
